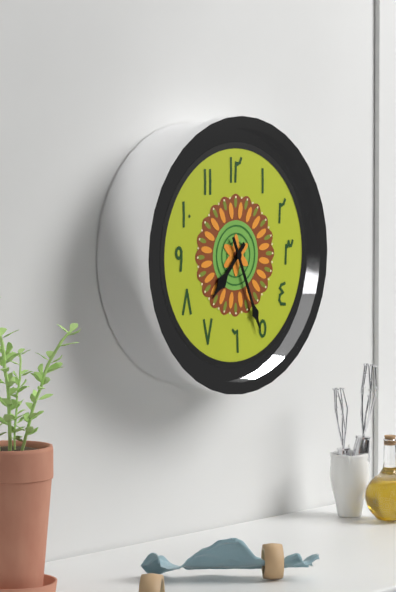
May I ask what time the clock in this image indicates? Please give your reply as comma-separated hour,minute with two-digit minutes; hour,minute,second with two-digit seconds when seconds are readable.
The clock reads 7,26
